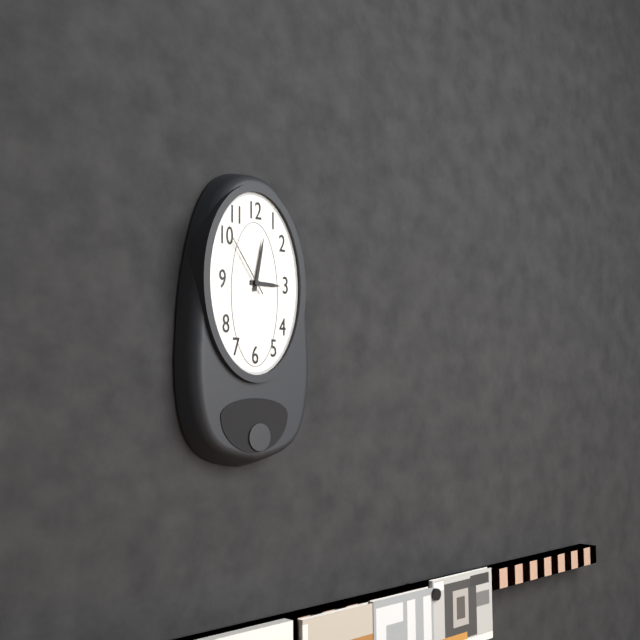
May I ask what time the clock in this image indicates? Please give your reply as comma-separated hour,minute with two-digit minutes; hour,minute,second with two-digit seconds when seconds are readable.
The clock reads 3,02,54
